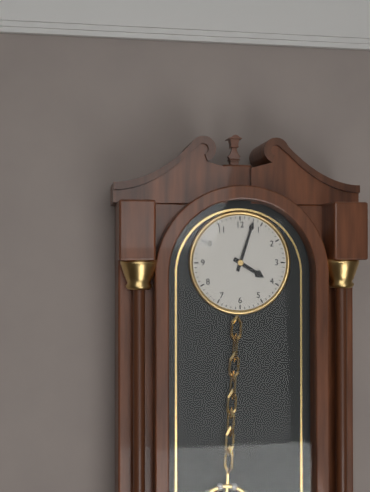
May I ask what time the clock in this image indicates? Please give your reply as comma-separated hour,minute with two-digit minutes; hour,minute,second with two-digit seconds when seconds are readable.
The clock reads 4,03
